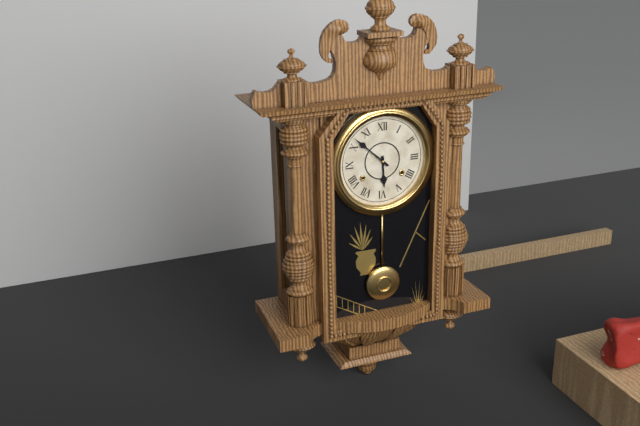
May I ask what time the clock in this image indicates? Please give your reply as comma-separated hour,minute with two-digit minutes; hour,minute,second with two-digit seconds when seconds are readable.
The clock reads 5,52
